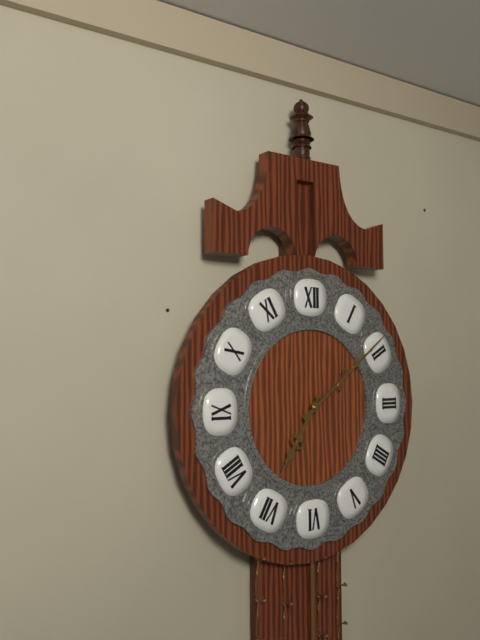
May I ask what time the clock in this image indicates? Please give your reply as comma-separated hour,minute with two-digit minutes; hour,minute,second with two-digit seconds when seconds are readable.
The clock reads 7,09
